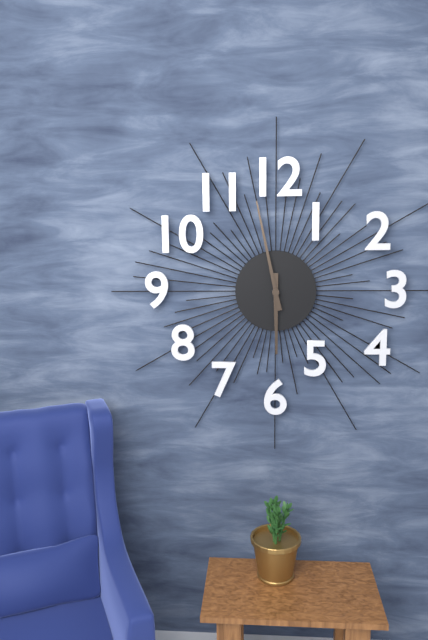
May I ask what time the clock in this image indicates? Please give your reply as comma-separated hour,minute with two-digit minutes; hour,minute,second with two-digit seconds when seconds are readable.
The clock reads 5,58
